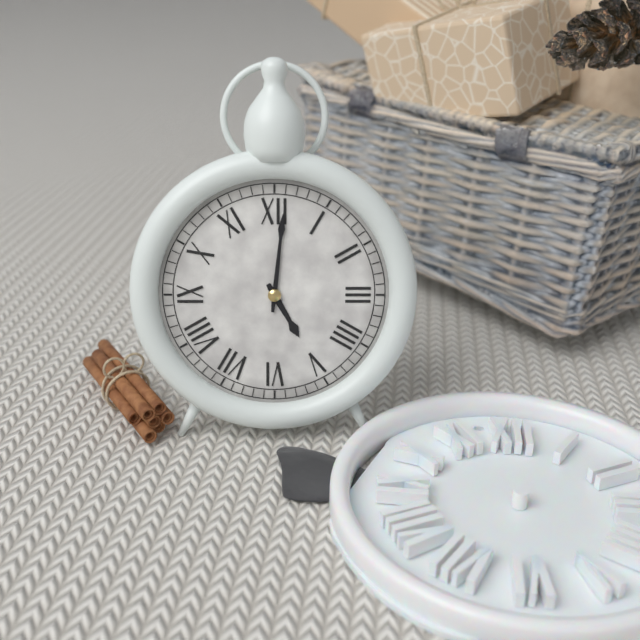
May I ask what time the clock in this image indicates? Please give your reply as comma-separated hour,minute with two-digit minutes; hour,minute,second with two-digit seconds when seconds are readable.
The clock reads 5,01
